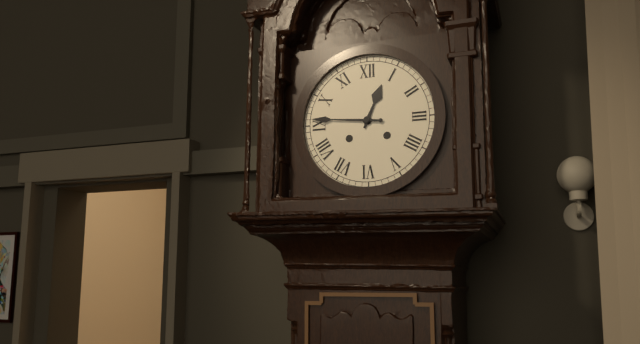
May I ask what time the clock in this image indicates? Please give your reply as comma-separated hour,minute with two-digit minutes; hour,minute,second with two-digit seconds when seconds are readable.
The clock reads 12,46
